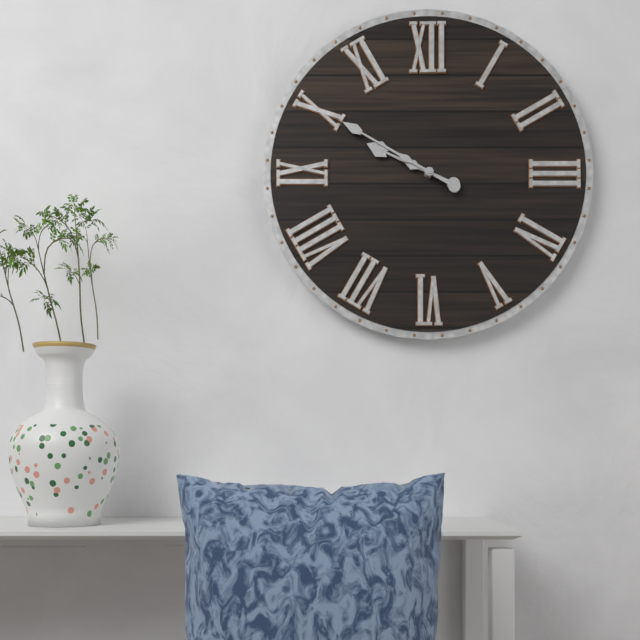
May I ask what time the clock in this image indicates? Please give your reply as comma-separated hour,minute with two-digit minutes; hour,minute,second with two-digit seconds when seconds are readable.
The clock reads 9,50
